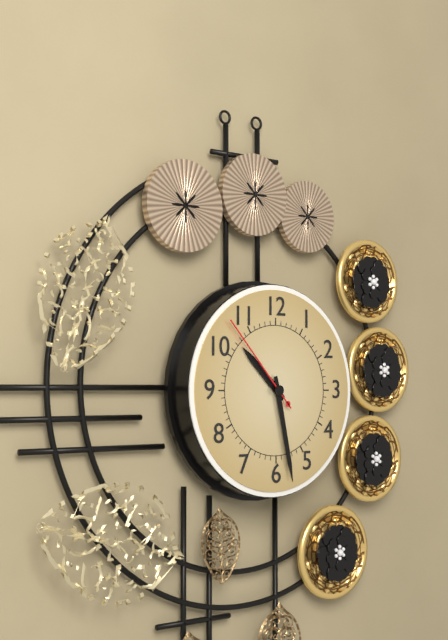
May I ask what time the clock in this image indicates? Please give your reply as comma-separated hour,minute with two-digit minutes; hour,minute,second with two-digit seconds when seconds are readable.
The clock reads 10,28,53
